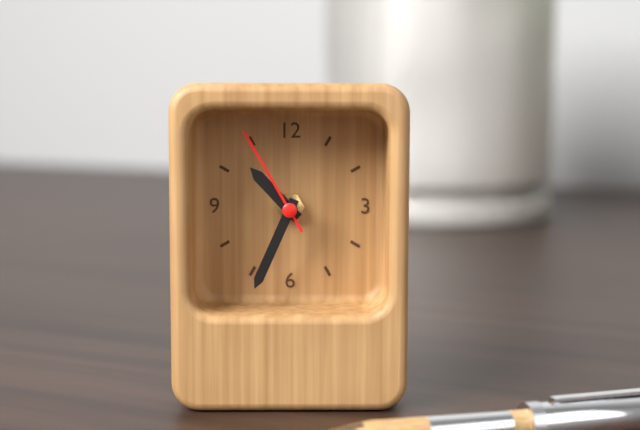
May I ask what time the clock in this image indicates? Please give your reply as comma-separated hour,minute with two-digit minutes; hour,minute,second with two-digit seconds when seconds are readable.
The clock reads 10,34,55
